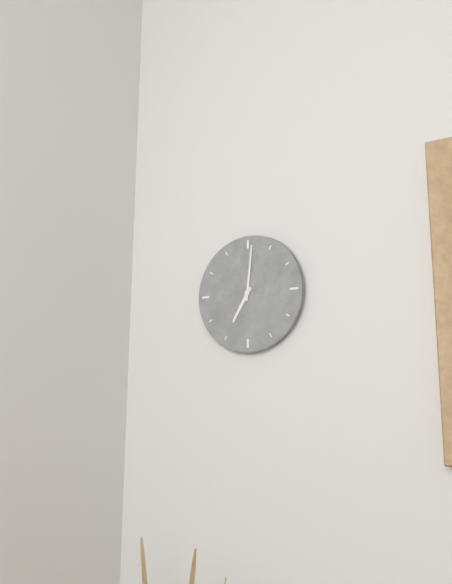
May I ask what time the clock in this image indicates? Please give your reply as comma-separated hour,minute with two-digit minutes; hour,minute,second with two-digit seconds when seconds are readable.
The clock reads 7,01
